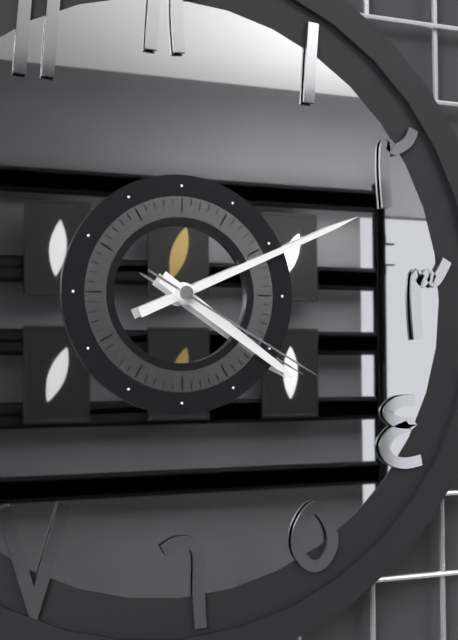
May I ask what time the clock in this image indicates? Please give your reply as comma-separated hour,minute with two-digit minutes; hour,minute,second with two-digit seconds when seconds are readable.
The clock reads 4,11,20
